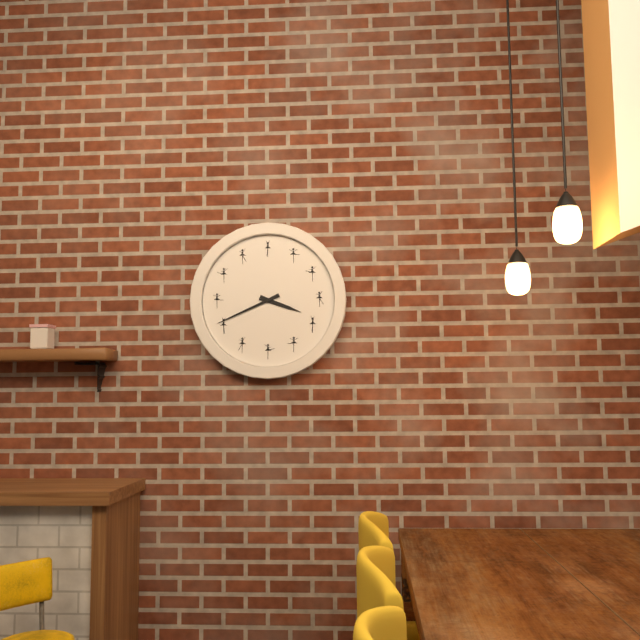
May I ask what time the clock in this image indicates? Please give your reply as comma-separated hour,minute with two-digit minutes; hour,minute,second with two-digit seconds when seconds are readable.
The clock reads 3,41
